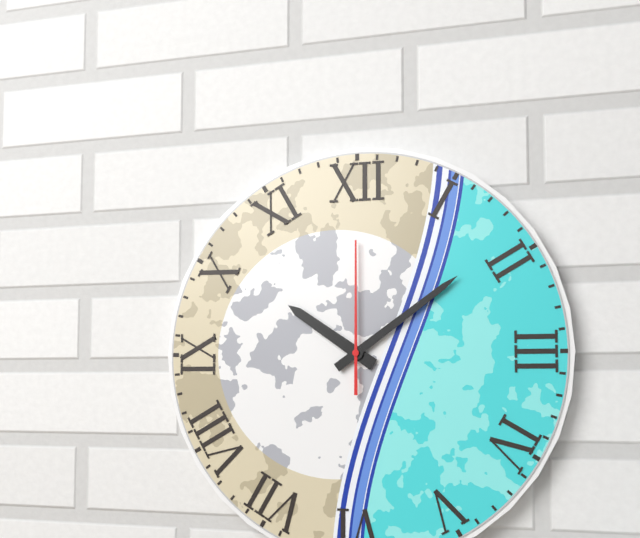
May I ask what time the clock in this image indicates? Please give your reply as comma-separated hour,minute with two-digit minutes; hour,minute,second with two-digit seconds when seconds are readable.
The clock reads 10,09,00
